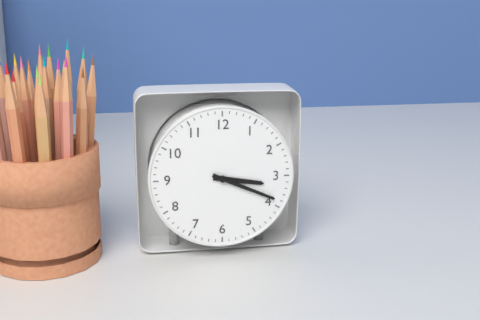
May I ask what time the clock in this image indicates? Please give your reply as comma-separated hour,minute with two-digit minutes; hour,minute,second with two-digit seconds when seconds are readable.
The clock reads 3,19
